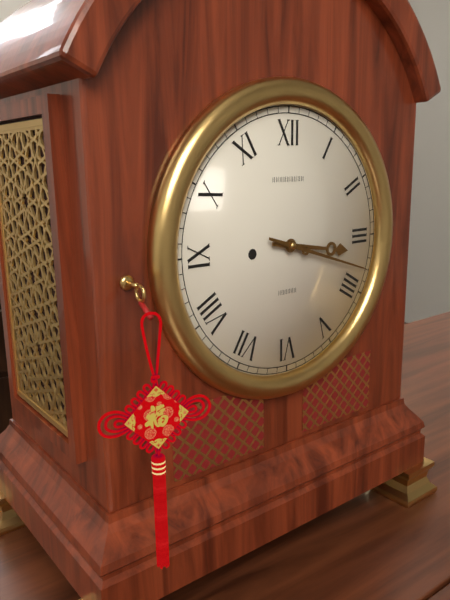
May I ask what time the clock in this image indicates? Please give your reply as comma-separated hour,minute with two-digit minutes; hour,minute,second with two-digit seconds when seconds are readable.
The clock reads 3,18
